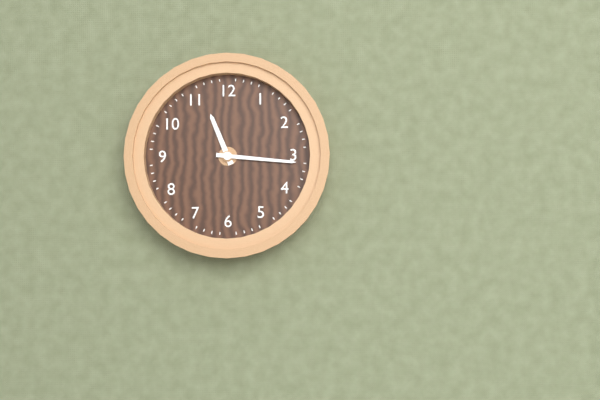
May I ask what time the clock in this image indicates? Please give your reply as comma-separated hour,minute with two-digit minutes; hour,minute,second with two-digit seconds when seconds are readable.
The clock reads 11,16
